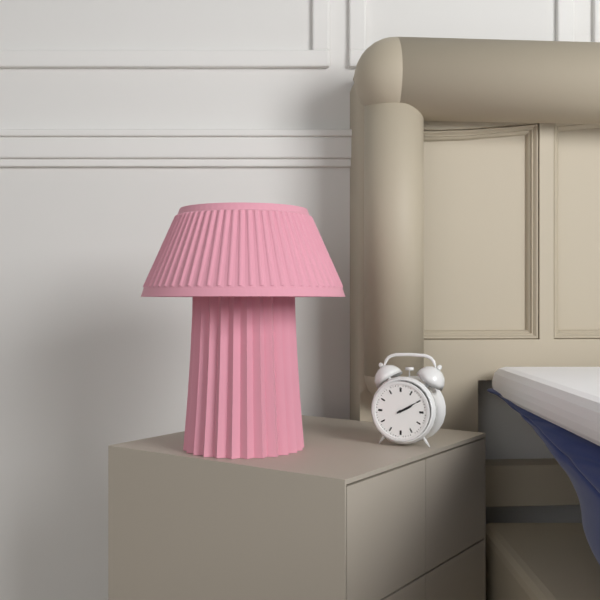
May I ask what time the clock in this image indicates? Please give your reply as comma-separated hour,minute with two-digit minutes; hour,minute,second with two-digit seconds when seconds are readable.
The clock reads 2,10
